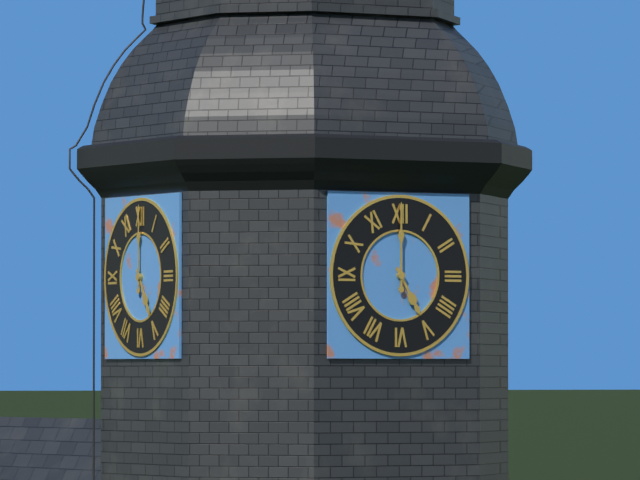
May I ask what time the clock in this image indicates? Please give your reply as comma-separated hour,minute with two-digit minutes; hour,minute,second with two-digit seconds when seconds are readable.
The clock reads 5,00
